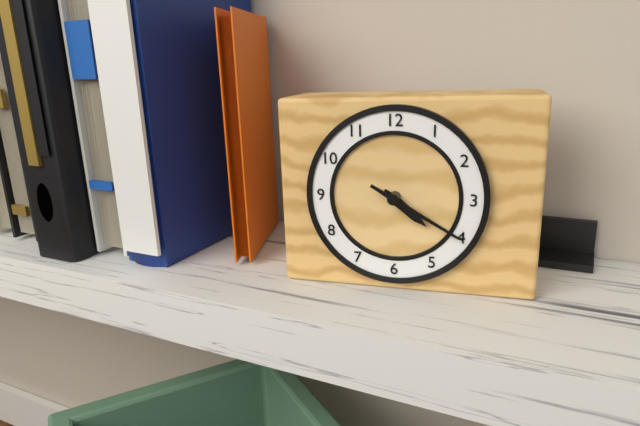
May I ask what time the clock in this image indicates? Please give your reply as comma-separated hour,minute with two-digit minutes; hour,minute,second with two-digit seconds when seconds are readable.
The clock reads 4,20
